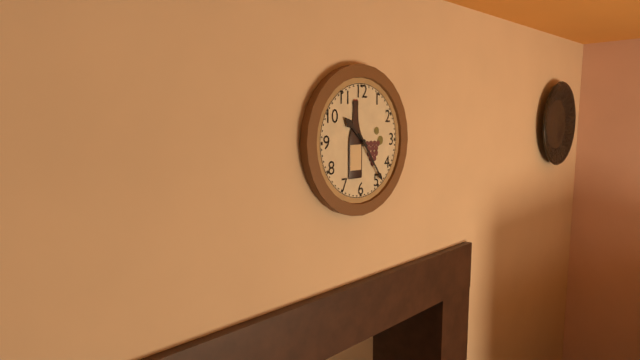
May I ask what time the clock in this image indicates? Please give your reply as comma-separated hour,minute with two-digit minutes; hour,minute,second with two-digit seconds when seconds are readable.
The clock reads 10,24
